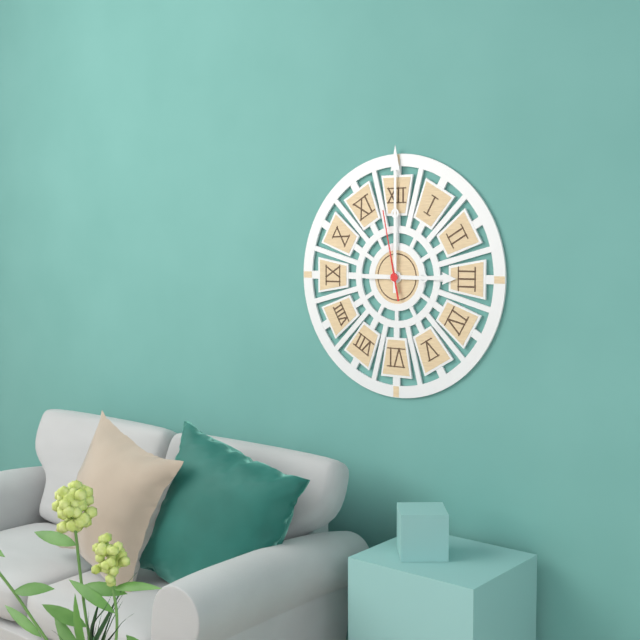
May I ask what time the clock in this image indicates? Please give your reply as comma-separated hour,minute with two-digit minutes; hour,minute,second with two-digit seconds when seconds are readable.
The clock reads 3,00,58
